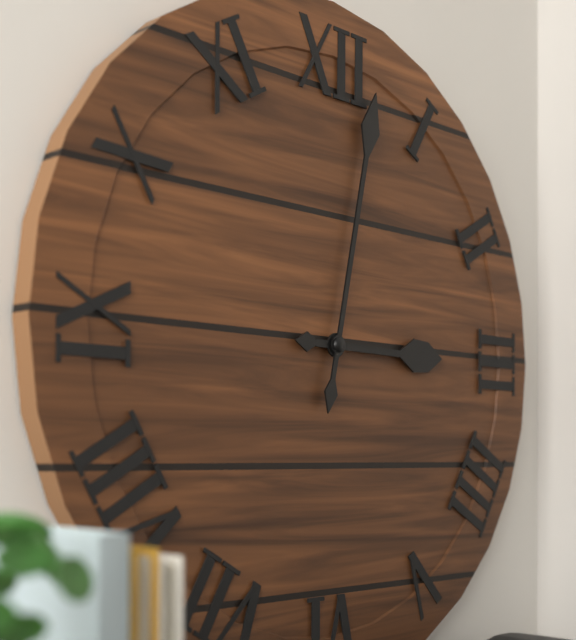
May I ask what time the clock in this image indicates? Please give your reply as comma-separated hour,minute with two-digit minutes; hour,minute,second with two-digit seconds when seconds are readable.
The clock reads 3,02
